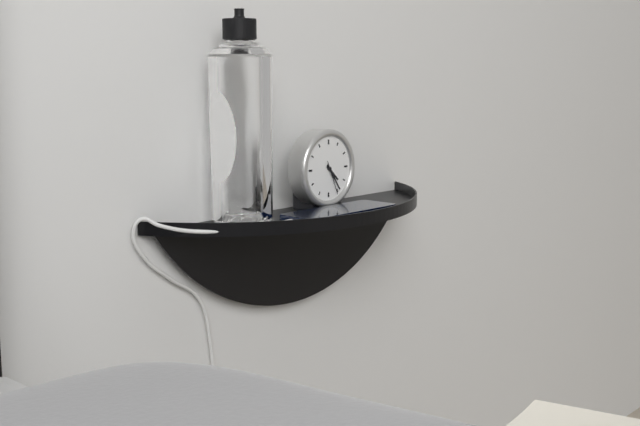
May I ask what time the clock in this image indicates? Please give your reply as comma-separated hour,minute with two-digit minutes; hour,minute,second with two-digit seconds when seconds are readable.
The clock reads 4,24
